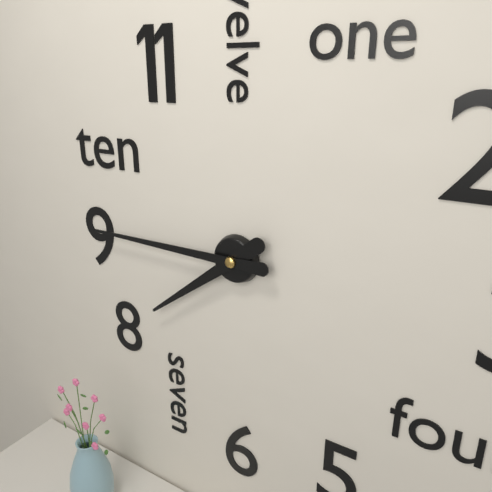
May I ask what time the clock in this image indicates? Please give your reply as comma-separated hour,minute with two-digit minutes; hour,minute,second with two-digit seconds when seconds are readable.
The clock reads 7,45
